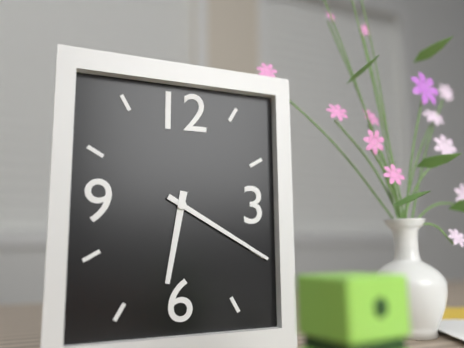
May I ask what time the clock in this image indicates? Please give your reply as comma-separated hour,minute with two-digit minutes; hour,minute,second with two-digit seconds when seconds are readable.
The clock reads 6,20
